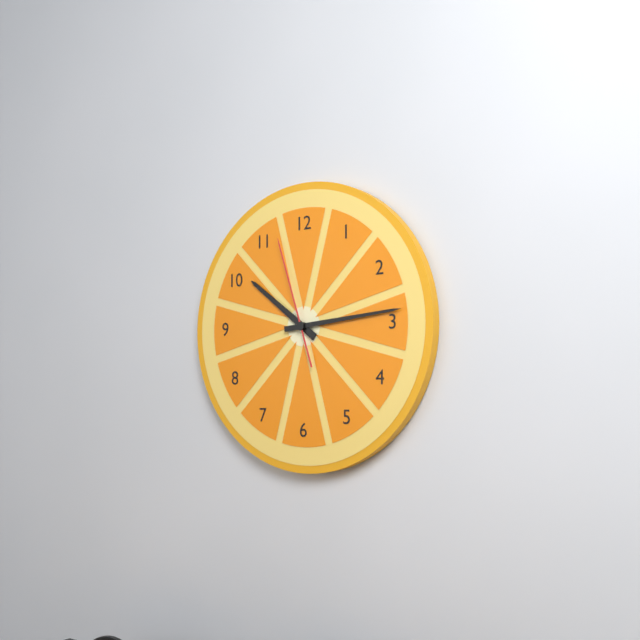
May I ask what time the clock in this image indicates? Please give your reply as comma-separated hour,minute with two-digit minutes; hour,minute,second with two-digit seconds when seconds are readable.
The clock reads 10,14,57
